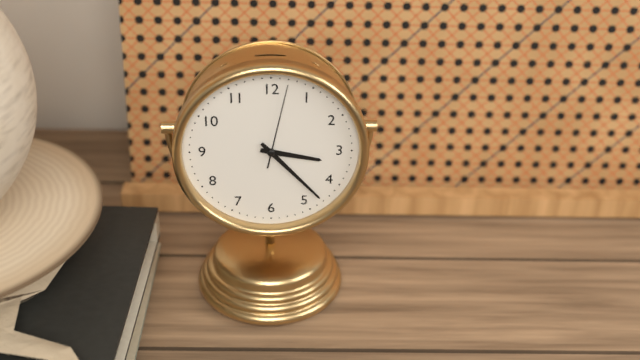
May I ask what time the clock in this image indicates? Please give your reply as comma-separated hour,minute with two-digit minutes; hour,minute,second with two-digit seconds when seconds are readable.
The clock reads 3,23,02
